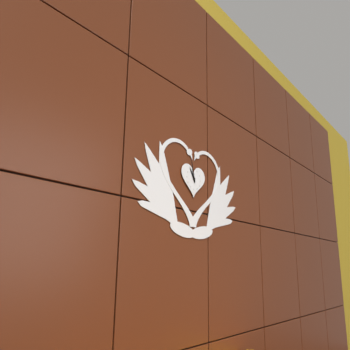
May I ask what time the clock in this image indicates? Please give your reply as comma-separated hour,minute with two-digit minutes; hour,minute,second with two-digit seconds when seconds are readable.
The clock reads 10,58
